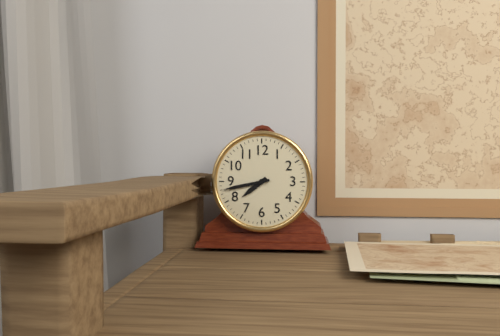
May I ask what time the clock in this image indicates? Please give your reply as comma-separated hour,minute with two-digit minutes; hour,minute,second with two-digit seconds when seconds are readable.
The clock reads 7,43
